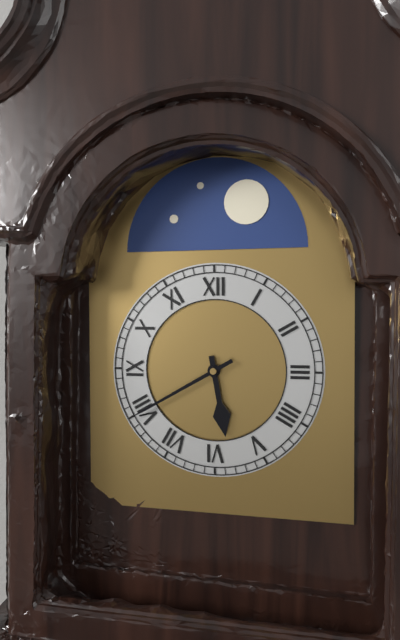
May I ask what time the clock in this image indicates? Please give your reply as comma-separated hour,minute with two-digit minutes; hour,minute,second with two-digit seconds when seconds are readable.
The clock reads 5,40
